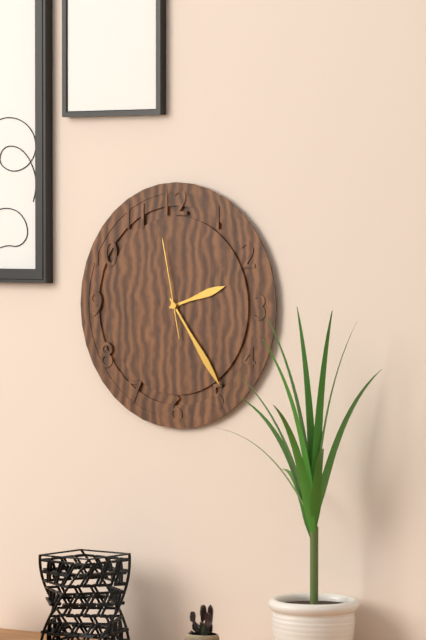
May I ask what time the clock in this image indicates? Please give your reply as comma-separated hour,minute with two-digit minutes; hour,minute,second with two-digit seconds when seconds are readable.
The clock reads 2,24,58
